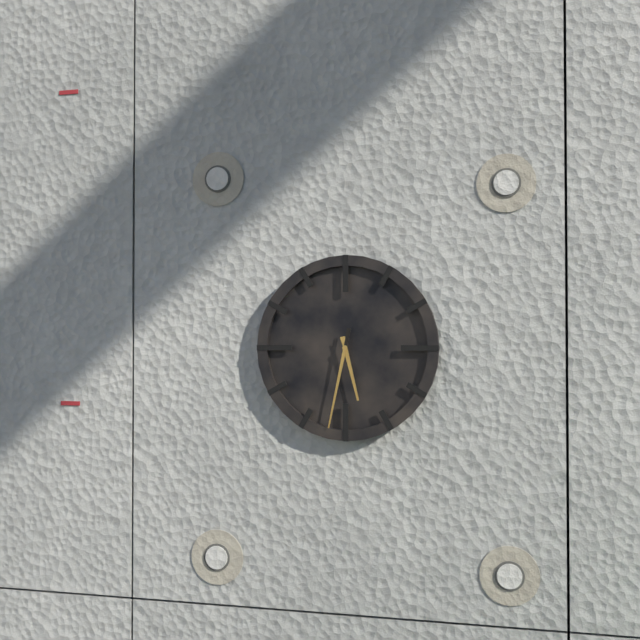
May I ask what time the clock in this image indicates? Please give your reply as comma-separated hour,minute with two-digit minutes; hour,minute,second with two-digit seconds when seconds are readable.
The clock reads 5,32
